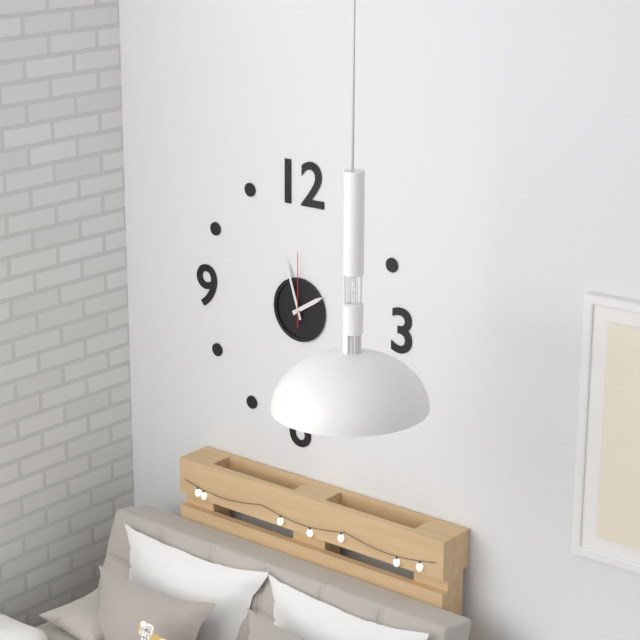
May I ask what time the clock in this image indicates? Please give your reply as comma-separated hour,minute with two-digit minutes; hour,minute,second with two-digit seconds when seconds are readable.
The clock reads 1,57,00
